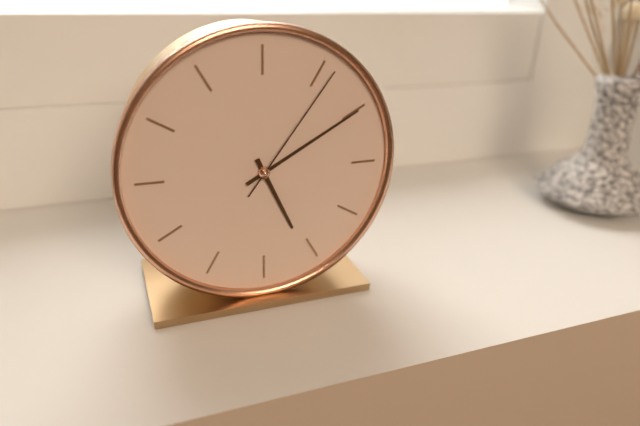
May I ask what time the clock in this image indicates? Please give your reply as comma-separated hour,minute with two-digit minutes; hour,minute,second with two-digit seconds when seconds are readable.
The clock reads 5,10,06
